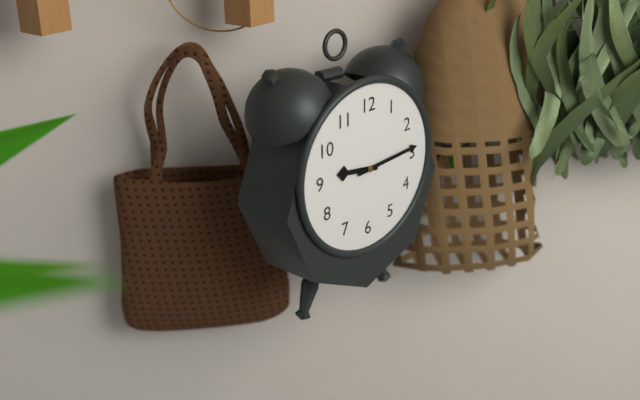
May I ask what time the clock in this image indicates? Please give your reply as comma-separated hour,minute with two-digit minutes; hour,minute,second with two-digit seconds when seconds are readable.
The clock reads 9,14
